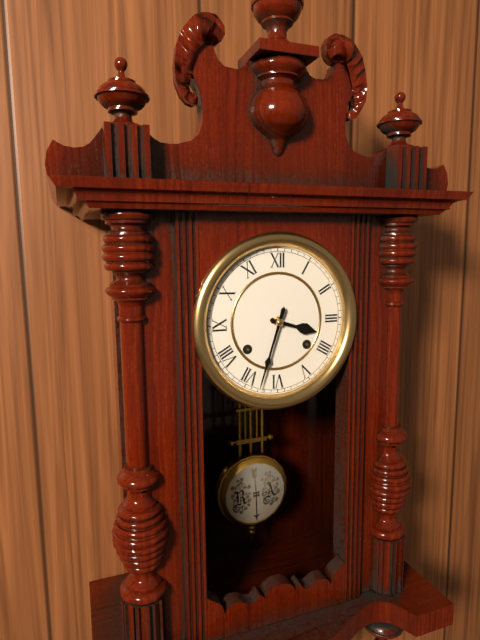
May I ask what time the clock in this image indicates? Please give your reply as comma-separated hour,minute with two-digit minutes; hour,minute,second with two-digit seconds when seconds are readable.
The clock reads 3,33
